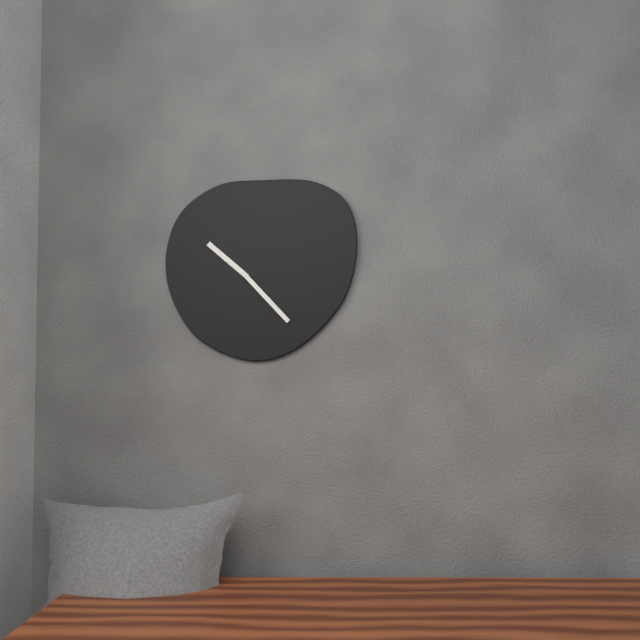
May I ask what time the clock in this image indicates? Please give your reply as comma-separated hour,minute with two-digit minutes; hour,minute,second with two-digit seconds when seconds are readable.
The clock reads 10,23
